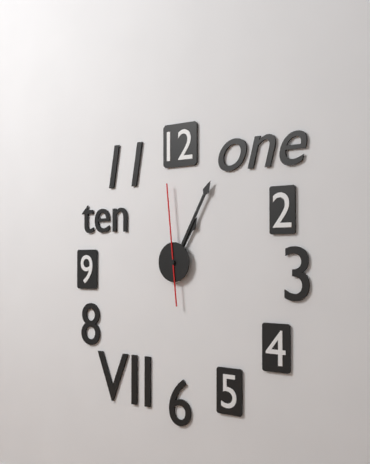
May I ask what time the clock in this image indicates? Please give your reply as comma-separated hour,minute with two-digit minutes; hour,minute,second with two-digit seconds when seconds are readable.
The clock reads 1,05,59
